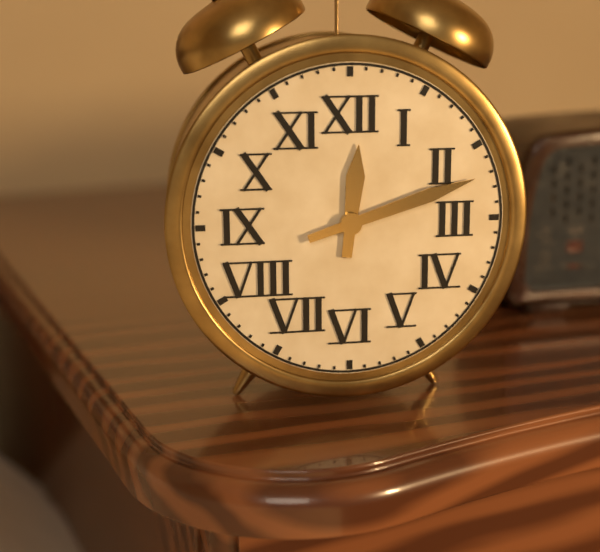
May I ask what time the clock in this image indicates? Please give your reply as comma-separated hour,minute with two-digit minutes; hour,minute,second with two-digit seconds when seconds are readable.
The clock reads 12,12
